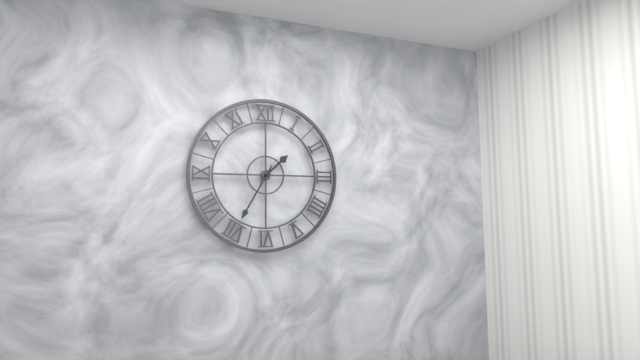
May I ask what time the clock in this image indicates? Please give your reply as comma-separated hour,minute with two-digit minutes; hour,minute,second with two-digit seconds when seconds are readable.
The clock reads 1,35
